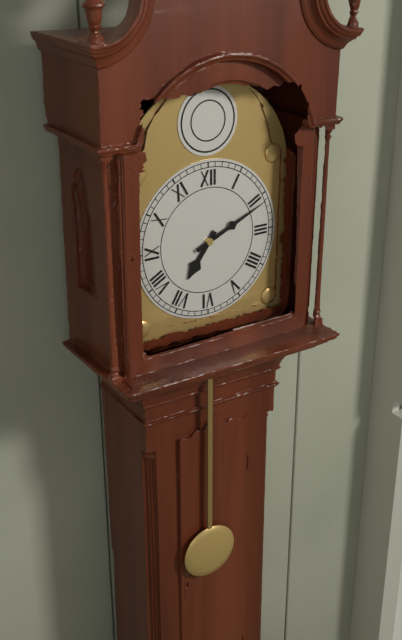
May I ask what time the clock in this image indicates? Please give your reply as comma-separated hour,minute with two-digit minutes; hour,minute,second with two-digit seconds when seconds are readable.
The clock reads 7,11
